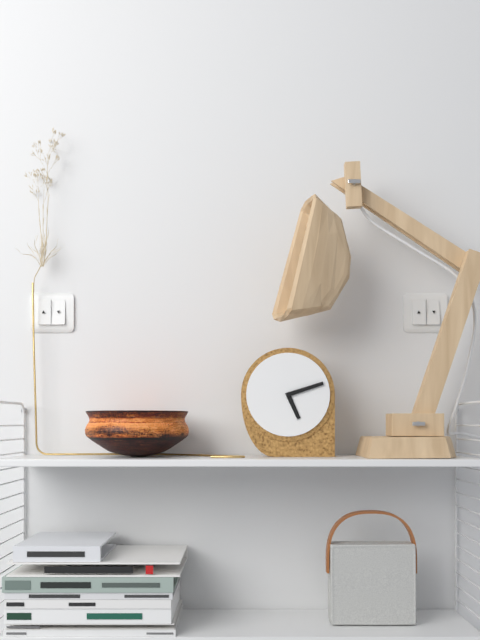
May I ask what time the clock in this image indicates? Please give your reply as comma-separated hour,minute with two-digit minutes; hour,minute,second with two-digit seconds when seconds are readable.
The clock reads 5,12
